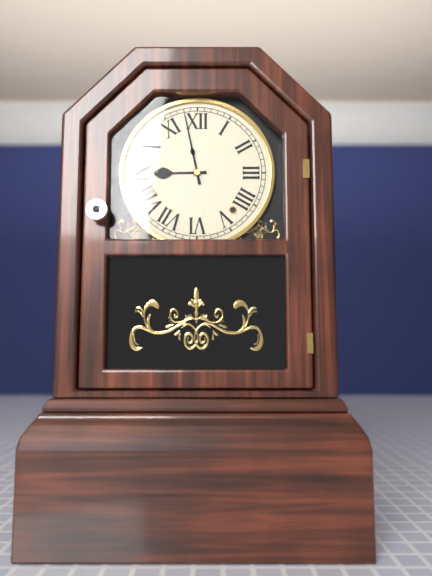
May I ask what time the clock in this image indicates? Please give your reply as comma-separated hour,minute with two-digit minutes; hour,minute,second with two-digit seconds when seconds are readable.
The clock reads 8,58
